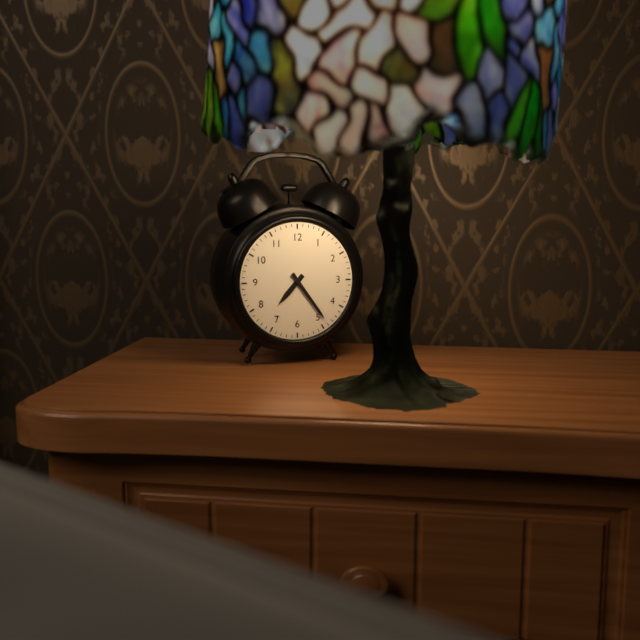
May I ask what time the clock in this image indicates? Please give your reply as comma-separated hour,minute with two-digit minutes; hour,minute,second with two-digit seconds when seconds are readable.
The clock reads 7,24
